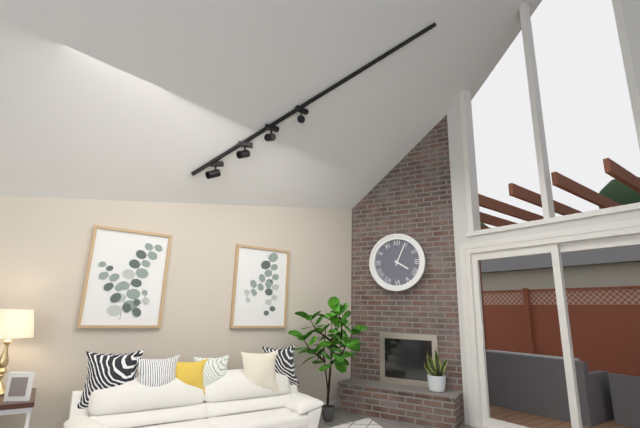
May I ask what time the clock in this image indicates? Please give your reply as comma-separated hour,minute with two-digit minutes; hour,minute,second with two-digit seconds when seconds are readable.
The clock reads 4,04
